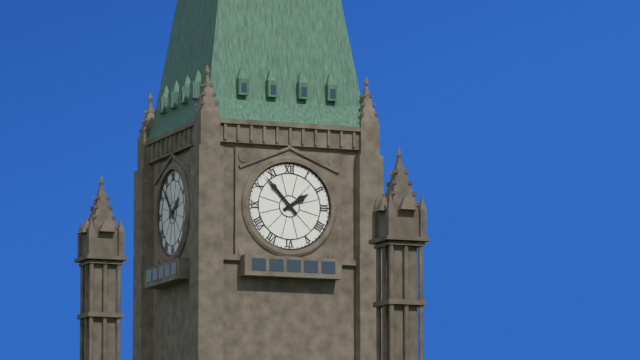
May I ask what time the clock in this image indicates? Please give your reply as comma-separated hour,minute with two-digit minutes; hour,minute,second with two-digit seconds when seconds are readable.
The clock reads 1,53
